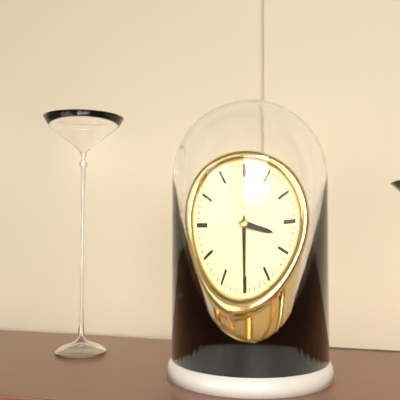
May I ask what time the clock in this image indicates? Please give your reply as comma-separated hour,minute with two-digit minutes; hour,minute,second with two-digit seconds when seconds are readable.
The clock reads 3,30
